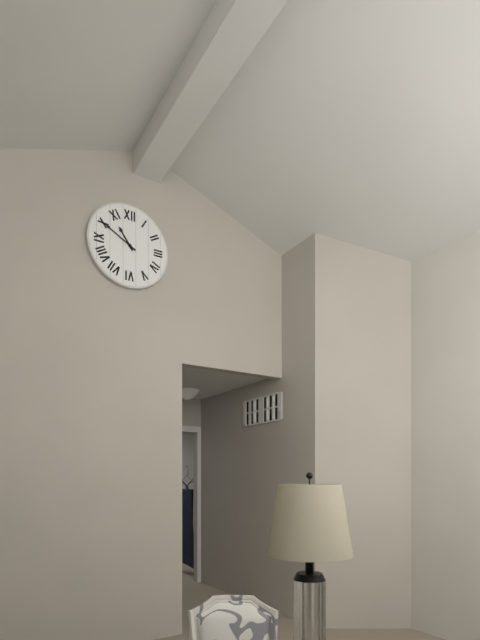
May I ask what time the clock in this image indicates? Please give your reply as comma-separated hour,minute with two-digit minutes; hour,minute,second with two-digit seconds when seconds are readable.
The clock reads 10,50
